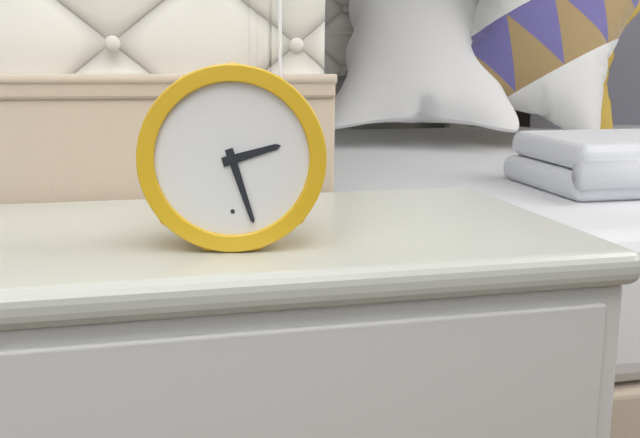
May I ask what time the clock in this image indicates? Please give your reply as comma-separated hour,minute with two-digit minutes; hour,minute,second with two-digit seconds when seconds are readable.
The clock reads 2,27
